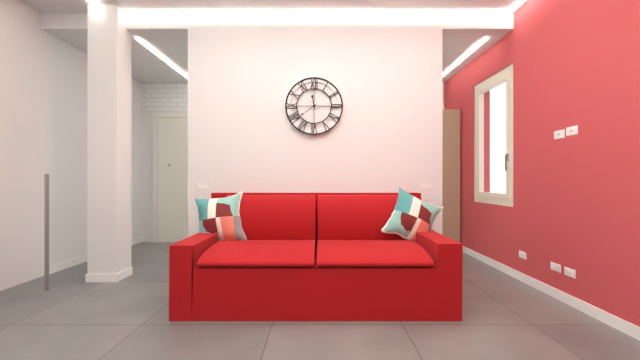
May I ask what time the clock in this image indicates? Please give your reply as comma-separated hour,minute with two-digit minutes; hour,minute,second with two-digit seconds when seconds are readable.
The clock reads 11,39
